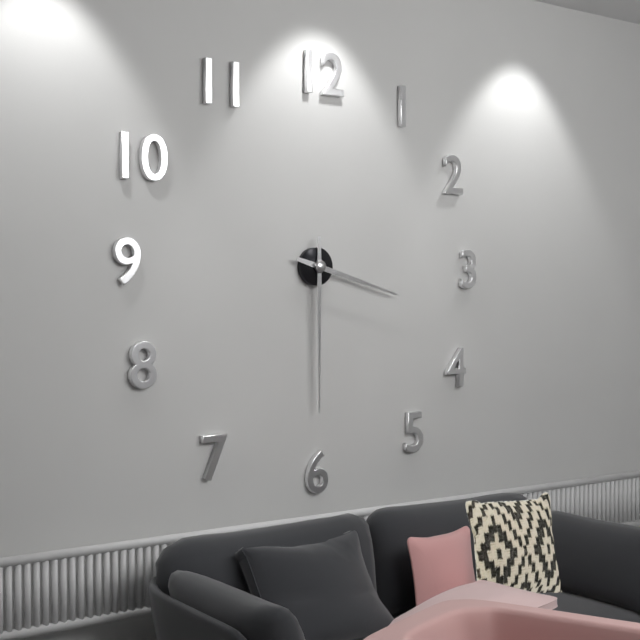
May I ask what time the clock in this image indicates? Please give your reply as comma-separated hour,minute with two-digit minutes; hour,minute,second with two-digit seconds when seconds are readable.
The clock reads 3,30
